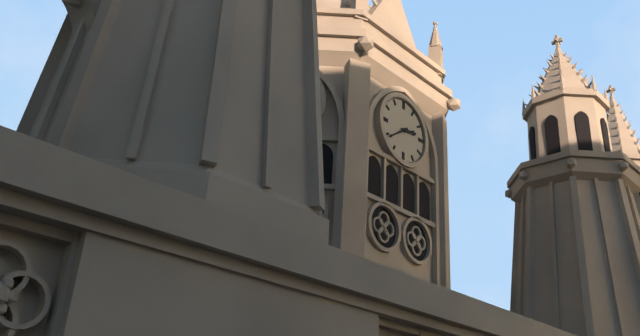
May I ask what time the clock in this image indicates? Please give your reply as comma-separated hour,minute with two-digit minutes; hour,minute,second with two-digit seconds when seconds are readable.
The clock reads 2,39
